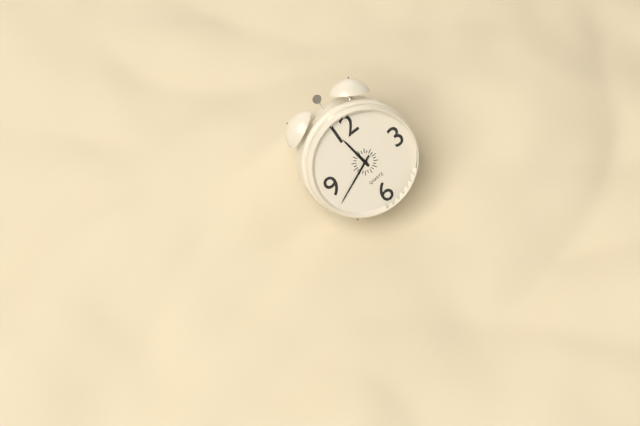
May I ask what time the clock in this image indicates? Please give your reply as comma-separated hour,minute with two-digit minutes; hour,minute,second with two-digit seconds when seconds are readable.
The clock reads 11,41
